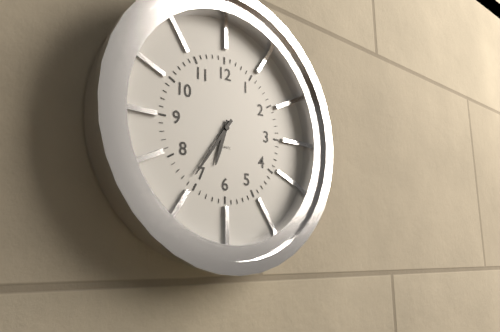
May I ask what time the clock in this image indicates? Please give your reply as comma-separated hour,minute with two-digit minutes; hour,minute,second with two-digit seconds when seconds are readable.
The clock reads 6,36
